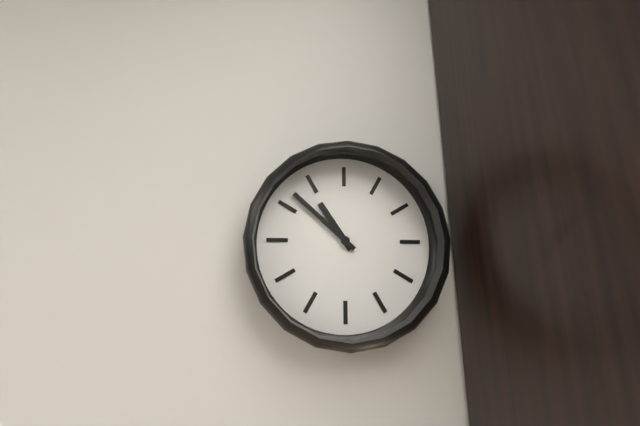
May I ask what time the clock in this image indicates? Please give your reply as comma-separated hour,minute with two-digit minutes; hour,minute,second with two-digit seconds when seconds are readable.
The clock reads 10,52
